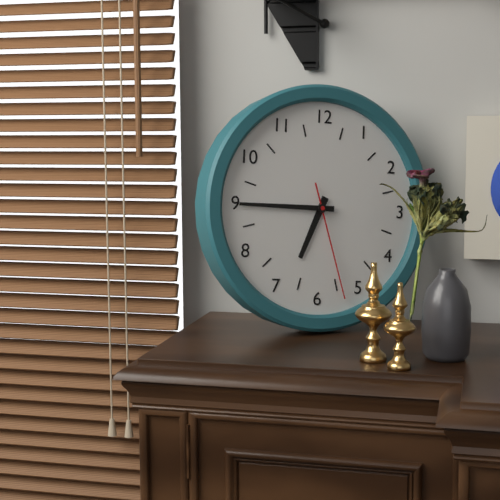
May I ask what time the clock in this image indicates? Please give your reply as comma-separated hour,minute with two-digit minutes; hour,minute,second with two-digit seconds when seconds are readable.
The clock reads 6,45,27
